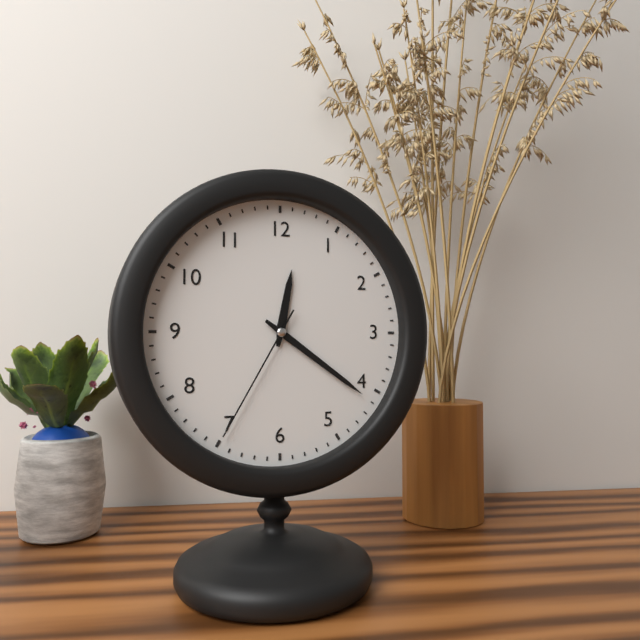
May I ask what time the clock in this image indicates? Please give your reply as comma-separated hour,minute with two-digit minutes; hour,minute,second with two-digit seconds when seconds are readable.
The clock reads 12,21,35
